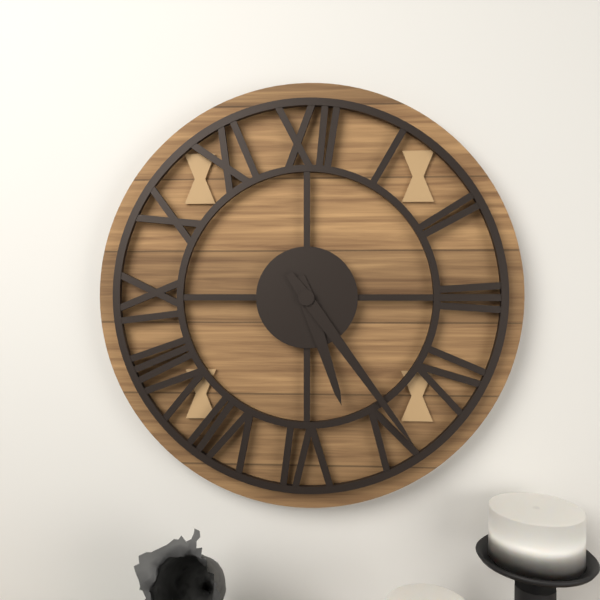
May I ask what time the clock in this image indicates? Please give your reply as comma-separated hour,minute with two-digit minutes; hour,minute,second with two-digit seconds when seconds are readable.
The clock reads 5,24
